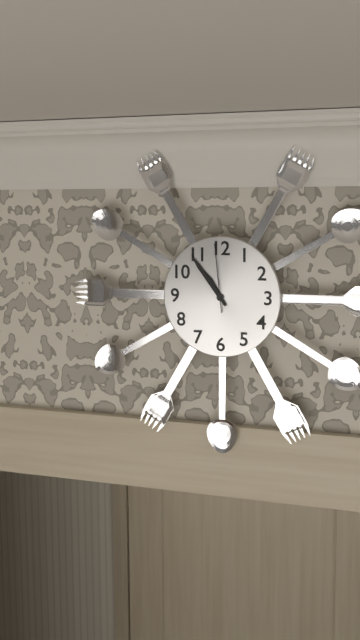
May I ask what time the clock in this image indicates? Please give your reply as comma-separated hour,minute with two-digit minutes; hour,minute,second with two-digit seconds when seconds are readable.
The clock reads 10,54,59
